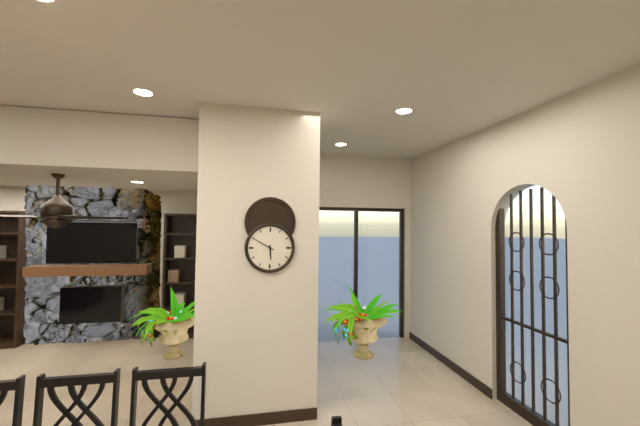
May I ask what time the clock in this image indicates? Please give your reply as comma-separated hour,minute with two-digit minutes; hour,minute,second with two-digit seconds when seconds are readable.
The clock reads 5,50
